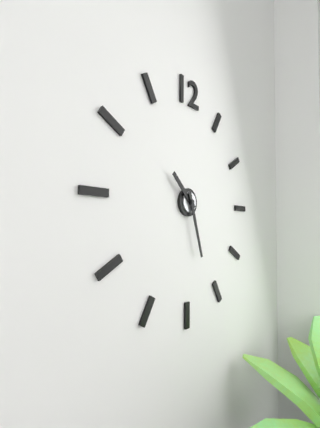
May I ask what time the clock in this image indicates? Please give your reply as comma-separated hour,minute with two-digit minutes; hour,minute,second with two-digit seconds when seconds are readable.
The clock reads 10,27
